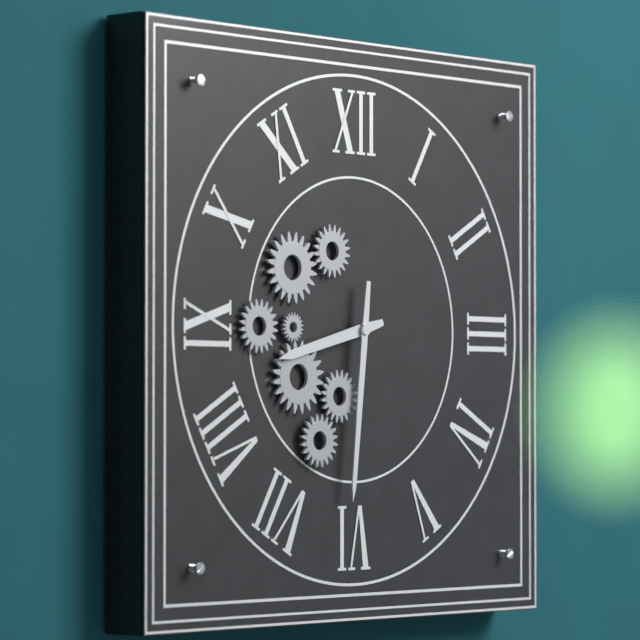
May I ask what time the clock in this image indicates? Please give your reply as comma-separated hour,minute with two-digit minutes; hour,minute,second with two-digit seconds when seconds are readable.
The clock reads 8,31
